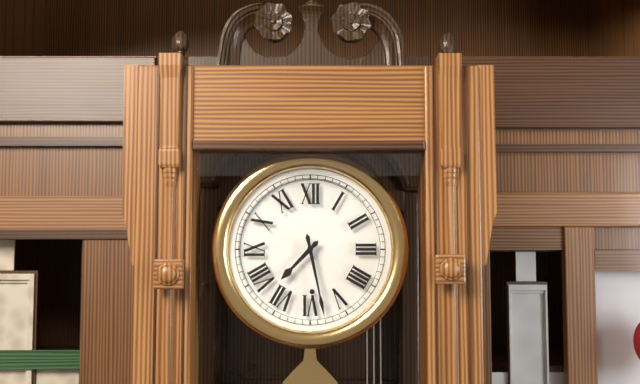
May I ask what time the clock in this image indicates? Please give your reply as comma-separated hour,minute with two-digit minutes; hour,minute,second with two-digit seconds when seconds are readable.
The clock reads 7,28
